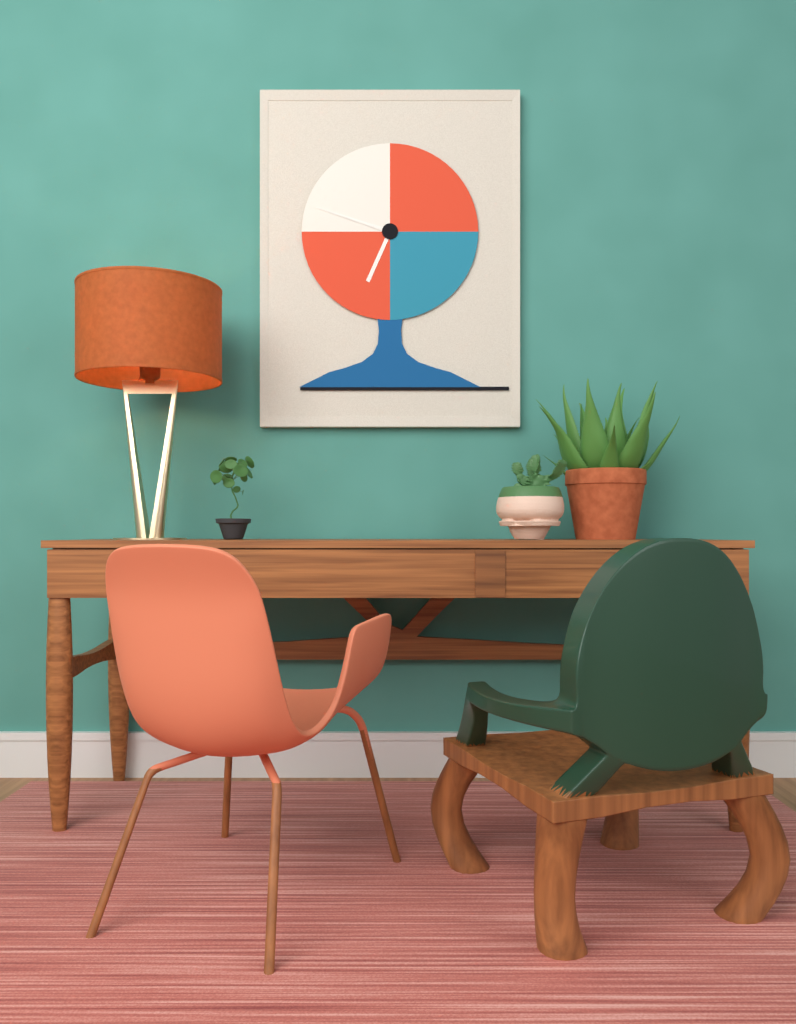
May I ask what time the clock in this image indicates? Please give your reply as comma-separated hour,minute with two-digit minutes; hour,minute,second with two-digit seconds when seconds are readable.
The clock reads 6,48
